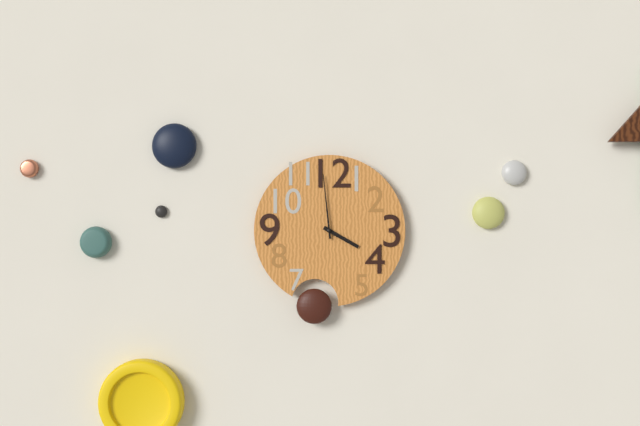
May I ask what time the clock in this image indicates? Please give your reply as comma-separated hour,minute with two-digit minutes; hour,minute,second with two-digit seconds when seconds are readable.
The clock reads 3,59
